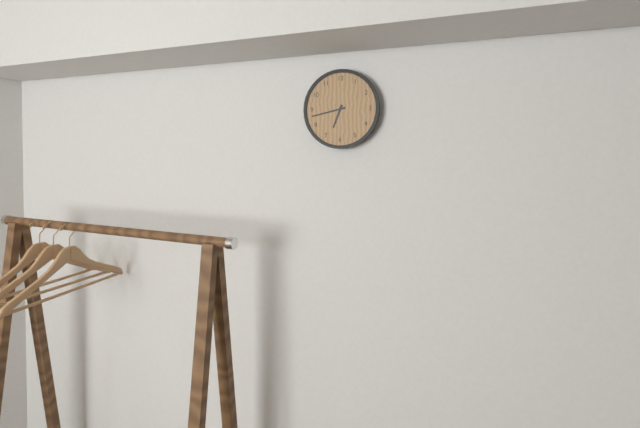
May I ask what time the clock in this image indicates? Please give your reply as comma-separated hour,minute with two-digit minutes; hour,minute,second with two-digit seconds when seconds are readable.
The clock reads 6,43
